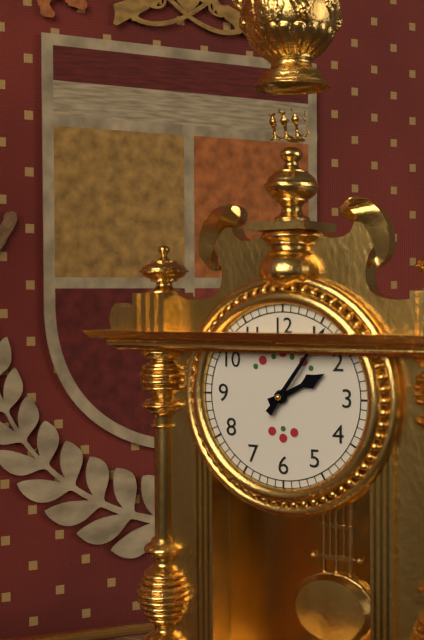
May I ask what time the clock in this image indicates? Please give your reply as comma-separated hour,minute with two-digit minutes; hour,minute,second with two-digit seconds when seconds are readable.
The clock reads 2,06
